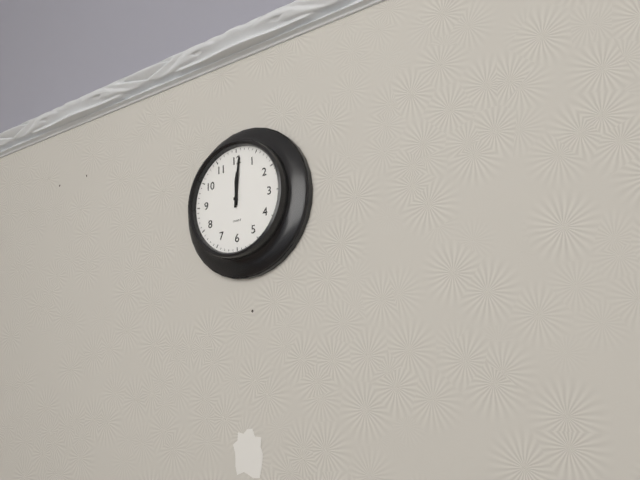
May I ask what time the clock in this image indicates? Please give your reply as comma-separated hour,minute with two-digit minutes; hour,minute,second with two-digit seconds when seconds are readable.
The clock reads 12,01
